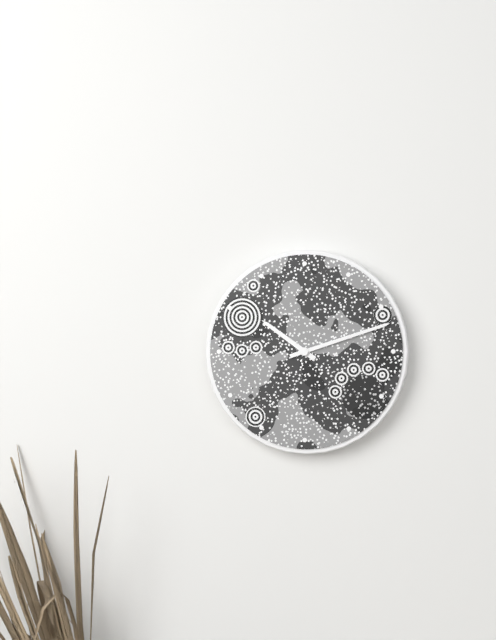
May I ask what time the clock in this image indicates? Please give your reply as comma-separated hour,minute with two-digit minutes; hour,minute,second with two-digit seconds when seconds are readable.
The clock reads 10,12
